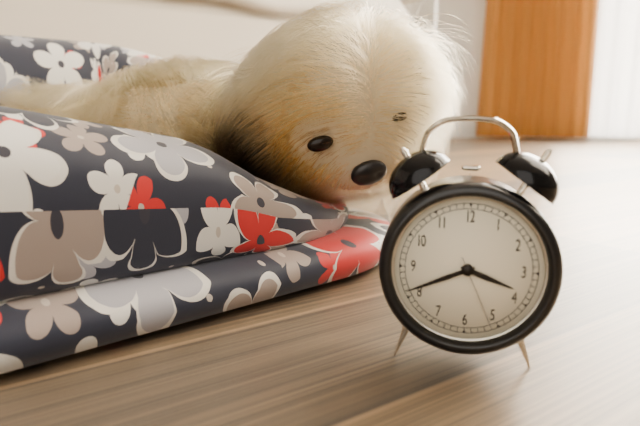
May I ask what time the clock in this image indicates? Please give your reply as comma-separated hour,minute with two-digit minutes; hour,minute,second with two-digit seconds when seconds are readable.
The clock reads 3,41,26
